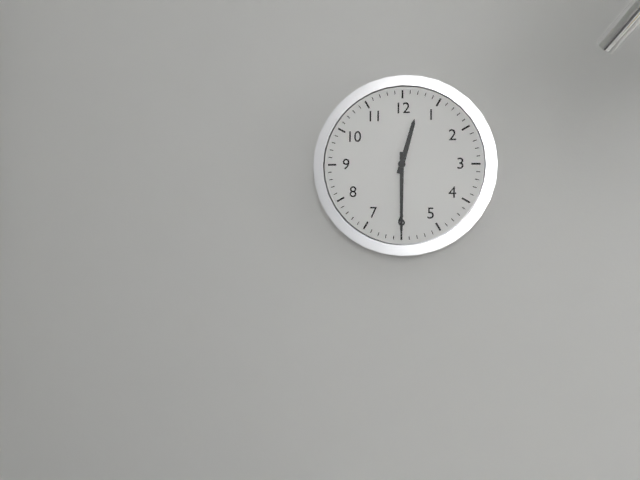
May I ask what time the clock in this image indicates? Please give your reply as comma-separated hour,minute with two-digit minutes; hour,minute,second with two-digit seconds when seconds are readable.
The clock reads 12,30
